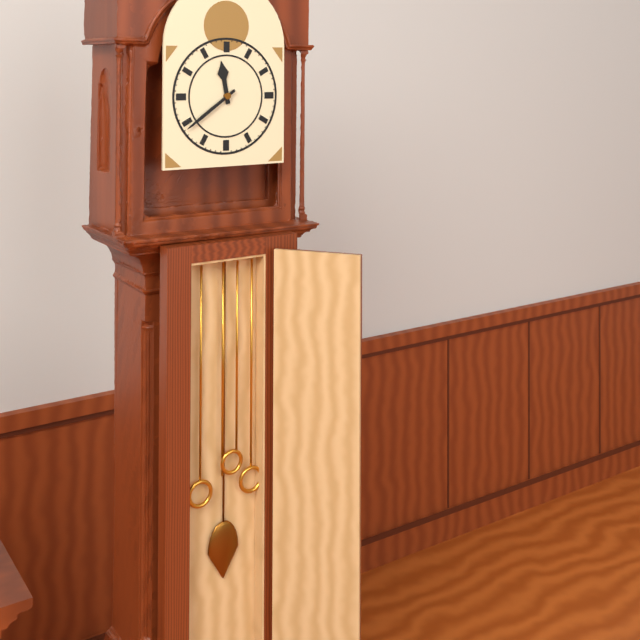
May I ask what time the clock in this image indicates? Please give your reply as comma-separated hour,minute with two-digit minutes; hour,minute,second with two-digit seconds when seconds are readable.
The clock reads 11,39
